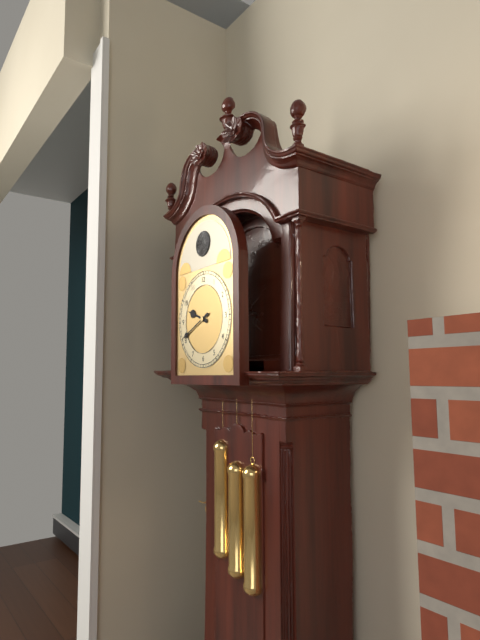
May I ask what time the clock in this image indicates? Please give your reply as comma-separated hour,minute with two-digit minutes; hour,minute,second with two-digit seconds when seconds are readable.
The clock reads 9,41
